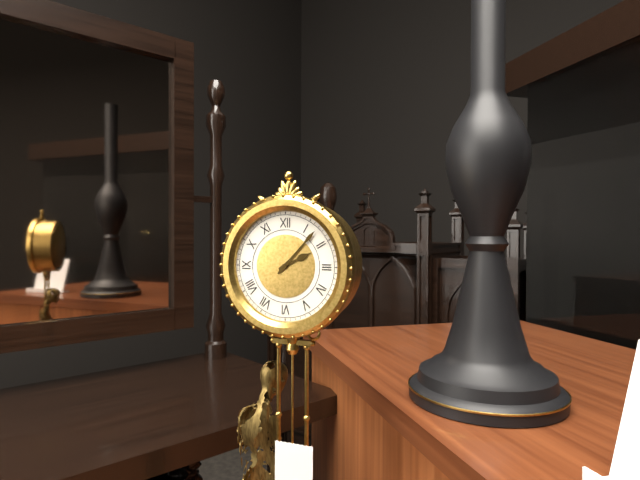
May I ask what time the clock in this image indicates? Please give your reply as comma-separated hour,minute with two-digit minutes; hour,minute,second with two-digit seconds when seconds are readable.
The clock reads 2,07
